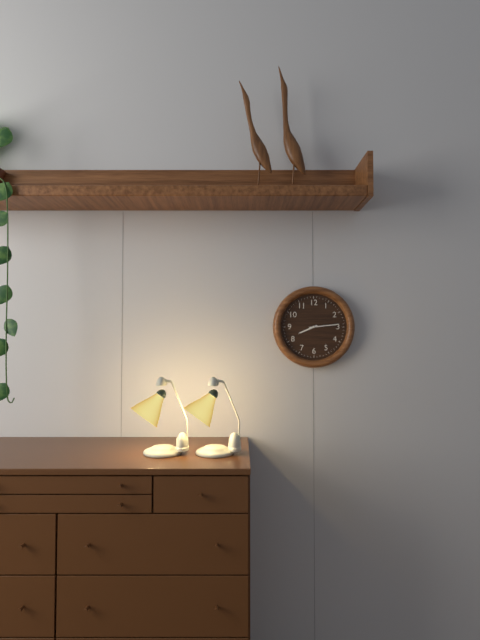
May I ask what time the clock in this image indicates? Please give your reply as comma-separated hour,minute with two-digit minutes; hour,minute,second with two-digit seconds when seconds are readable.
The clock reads 8,14
